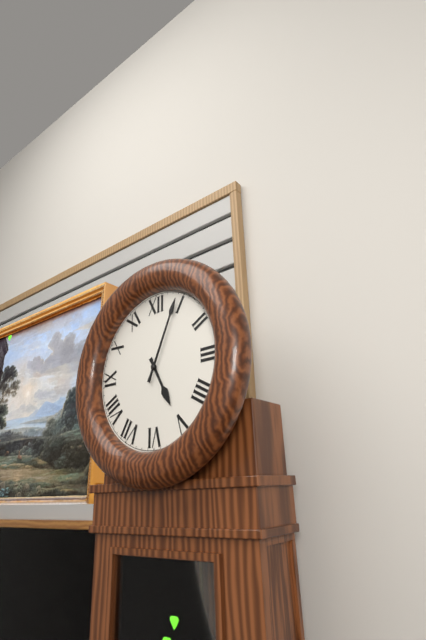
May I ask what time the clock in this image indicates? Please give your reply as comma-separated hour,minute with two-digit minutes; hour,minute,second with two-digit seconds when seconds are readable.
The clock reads 5,04
